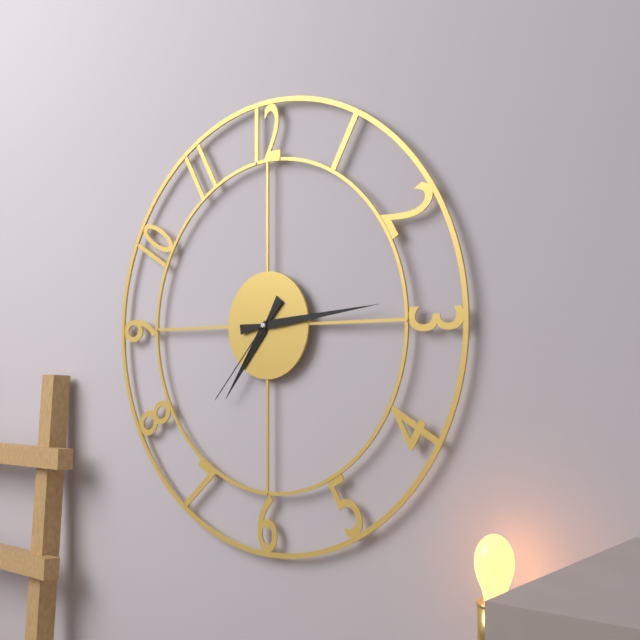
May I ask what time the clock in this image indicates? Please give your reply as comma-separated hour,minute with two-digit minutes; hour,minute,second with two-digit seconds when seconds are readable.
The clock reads 7,14,37
